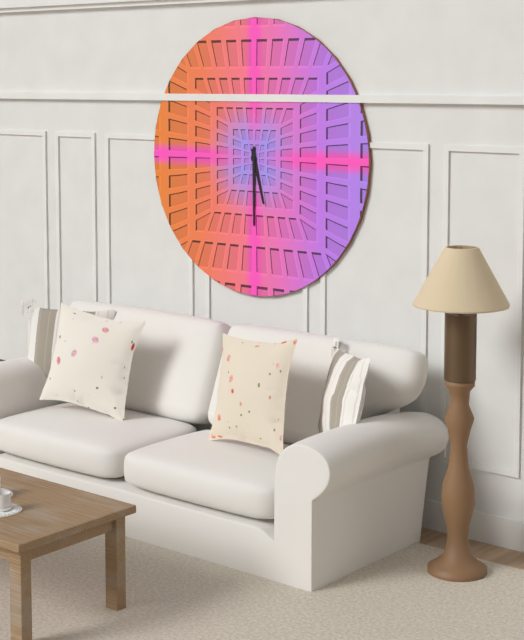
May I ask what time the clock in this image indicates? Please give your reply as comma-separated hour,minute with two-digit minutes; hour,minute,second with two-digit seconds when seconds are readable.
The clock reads 5,30
